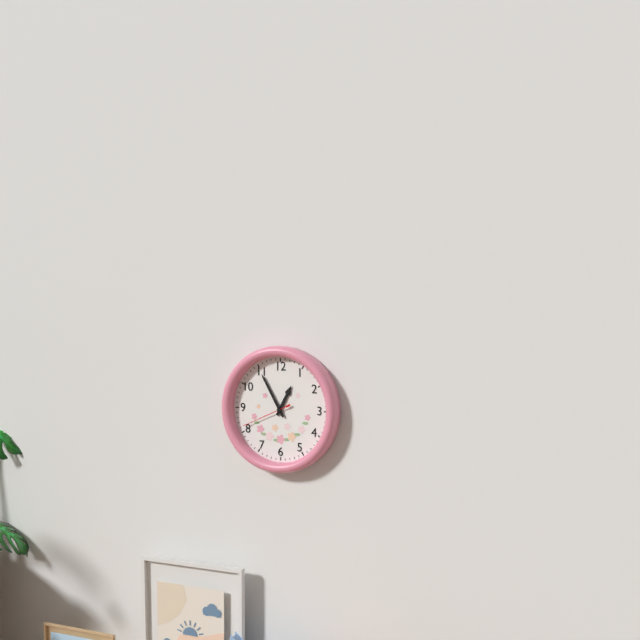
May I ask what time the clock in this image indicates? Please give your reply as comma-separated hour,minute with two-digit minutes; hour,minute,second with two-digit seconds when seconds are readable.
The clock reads 12,55
